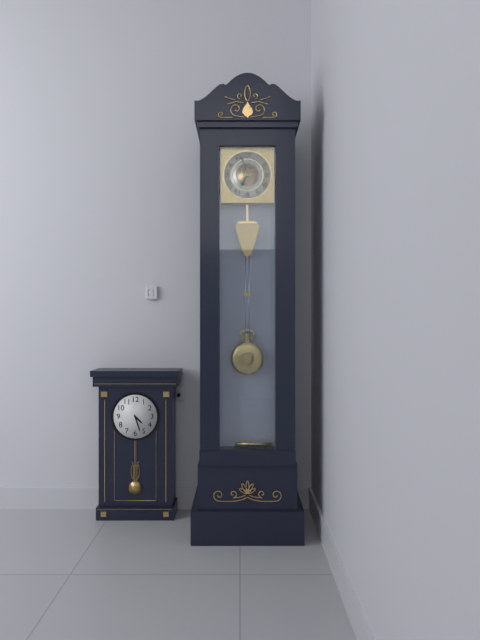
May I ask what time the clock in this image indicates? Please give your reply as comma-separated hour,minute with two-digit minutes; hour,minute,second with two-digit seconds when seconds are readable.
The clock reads 6,57
